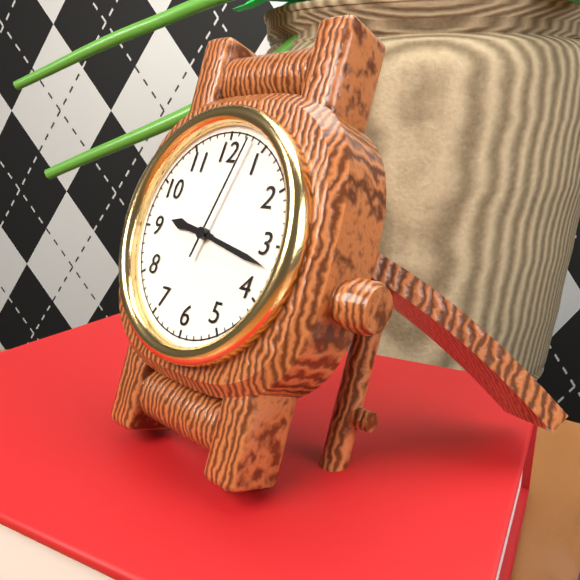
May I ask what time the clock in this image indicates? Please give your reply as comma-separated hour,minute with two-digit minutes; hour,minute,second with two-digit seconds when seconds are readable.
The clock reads 9,17,03
